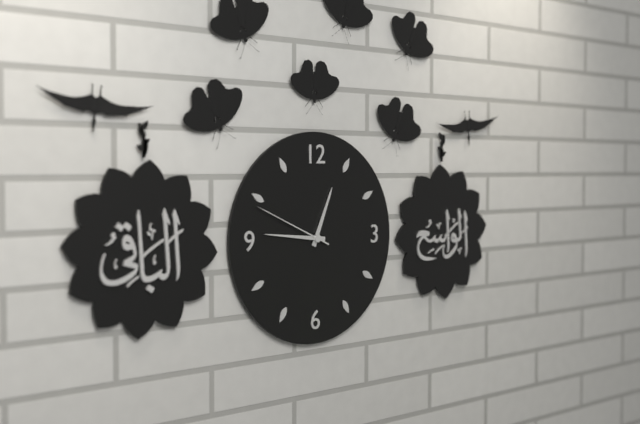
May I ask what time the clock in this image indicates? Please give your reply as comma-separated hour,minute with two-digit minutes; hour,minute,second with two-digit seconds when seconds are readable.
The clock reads 12,46,49
